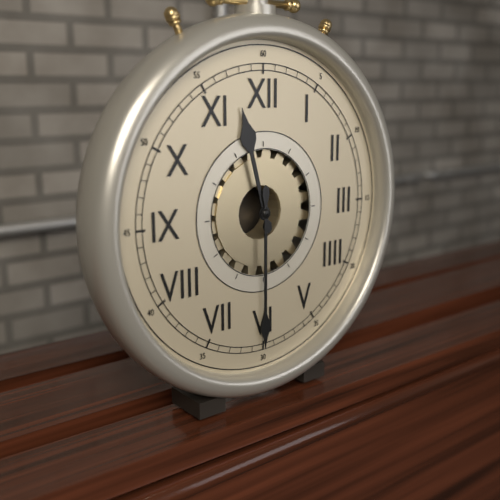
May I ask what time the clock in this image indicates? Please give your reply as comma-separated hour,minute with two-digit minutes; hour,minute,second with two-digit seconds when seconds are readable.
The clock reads 11,30
